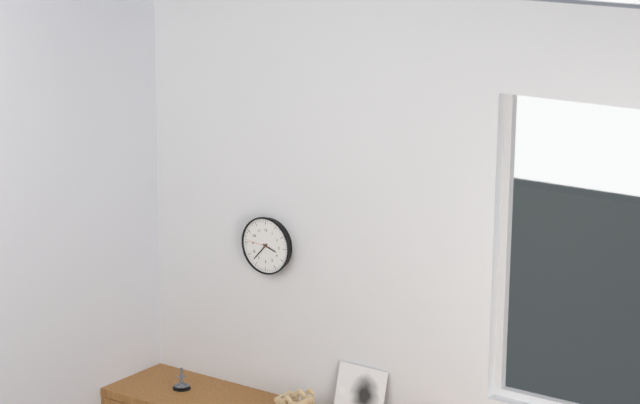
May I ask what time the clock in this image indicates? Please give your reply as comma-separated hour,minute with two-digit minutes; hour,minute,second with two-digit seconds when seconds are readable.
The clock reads 3,37
